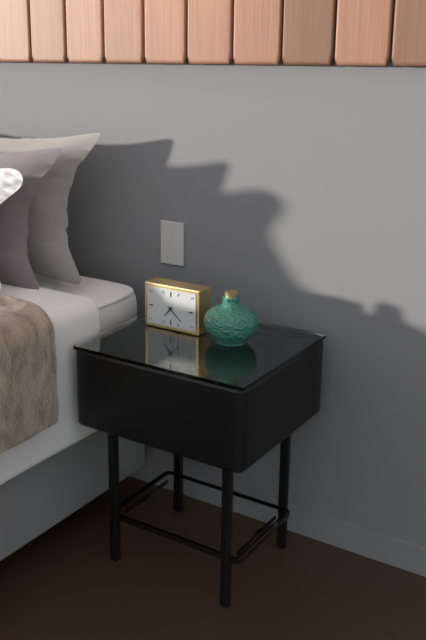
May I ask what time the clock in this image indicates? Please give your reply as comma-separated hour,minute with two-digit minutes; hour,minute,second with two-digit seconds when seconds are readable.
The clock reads 7,22
